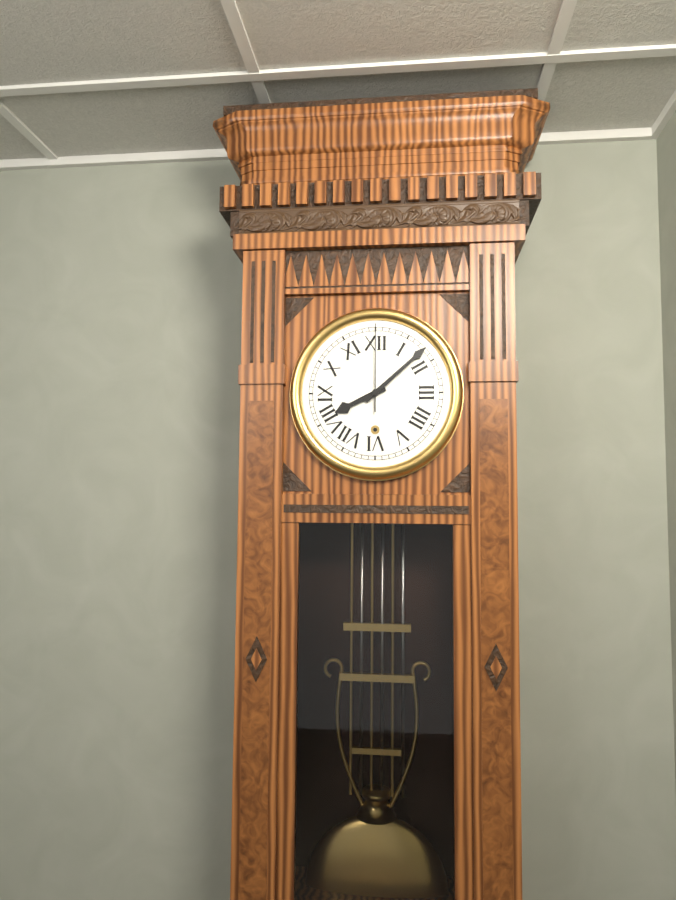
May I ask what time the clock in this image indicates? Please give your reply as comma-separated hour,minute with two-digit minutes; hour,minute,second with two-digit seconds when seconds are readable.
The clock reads 8,08,00
